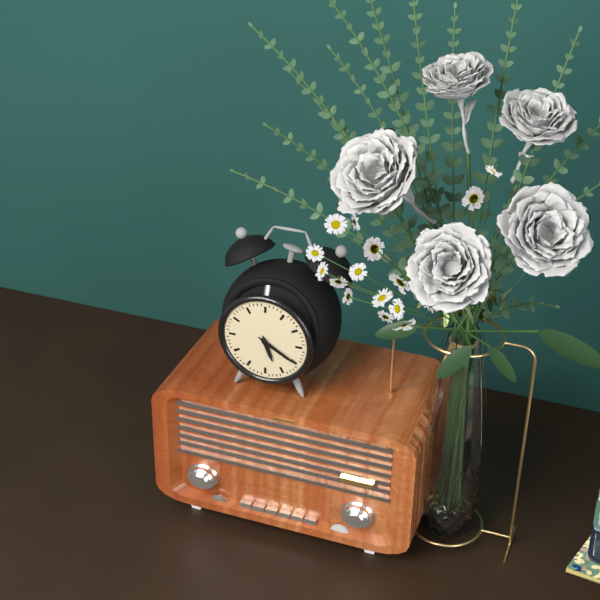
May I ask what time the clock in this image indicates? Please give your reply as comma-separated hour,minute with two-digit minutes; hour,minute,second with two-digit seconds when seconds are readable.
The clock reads 5,20
